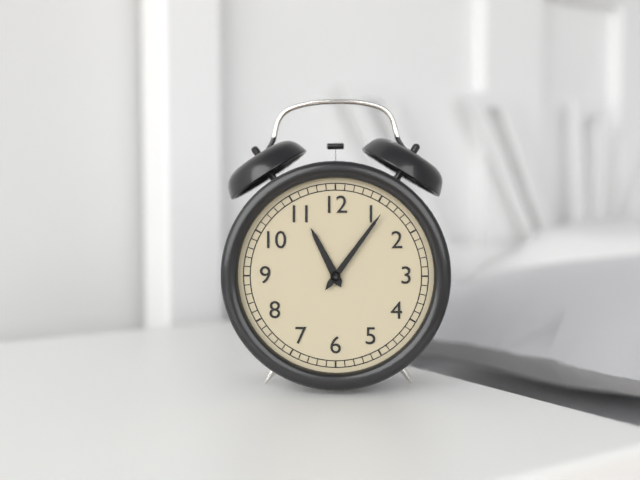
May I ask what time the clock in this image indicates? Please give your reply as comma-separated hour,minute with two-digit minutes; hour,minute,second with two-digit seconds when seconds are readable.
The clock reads 11,06
